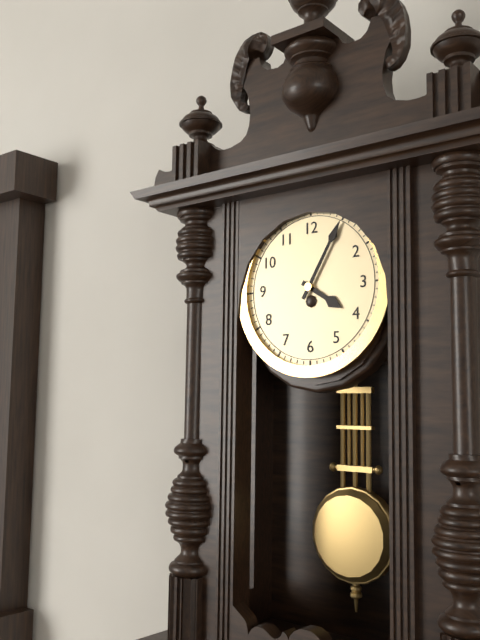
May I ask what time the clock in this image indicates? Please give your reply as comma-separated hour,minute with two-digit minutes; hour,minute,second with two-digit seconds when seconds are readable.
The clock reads 4,05
